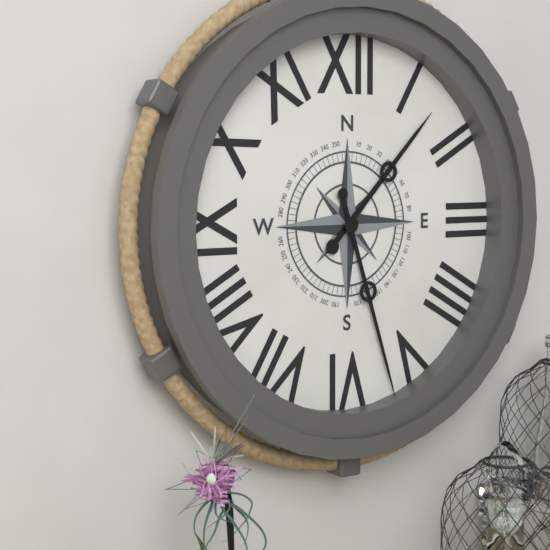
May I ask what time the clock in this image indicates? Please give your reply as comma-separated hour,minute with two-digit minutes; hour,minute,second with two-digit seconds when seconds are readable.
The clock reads 1,27
